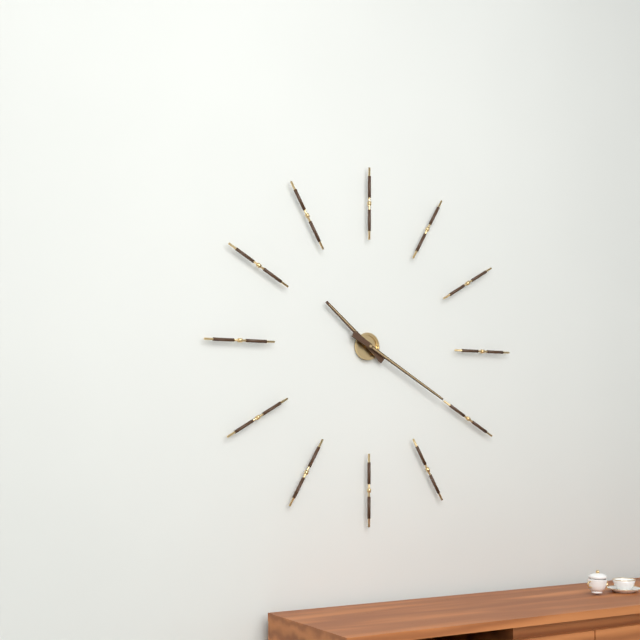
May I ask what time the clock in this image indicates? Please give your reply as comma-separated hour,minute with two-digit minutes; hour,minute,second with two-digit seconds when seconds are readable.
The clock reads 10,20
